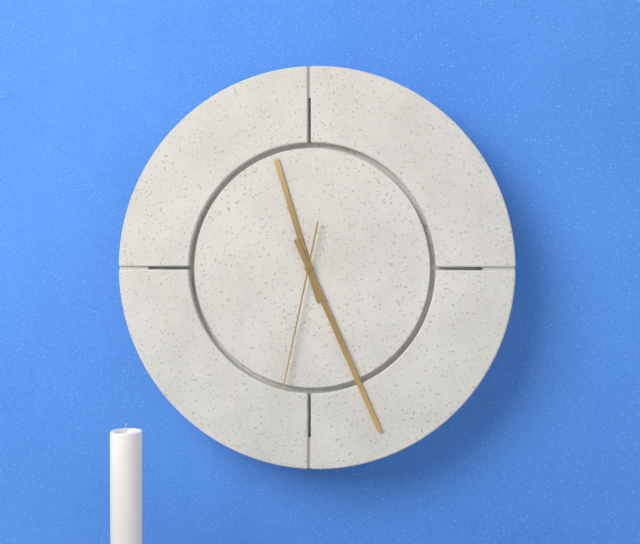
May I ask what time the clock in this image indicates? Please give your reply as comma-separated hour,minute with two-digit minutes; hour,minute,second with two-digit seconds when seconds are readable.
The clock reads 11,26,32
